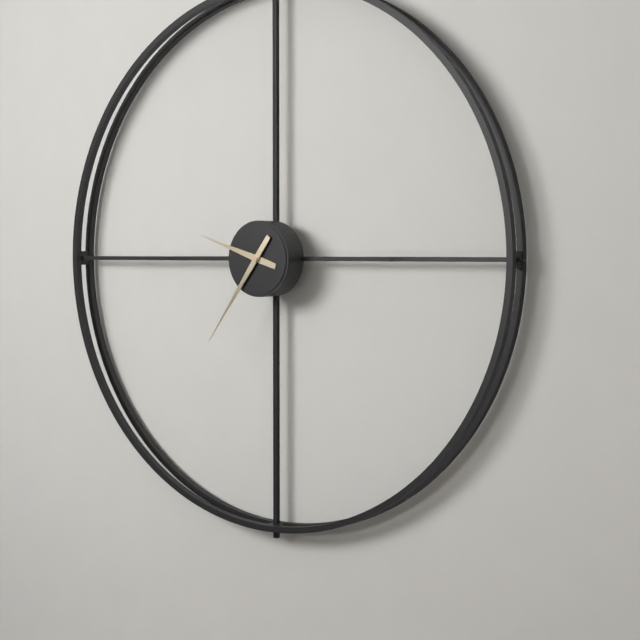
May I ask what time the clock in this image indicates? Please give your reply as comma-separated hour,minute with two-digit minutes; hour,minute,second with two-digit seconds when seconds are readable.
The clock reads 9,36
